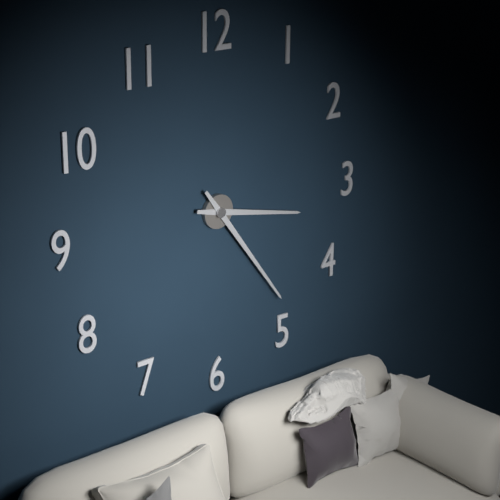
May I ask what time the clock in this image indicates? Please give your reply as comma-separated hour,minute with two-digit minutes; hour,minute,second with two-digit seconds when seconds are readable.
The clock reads 3,24
